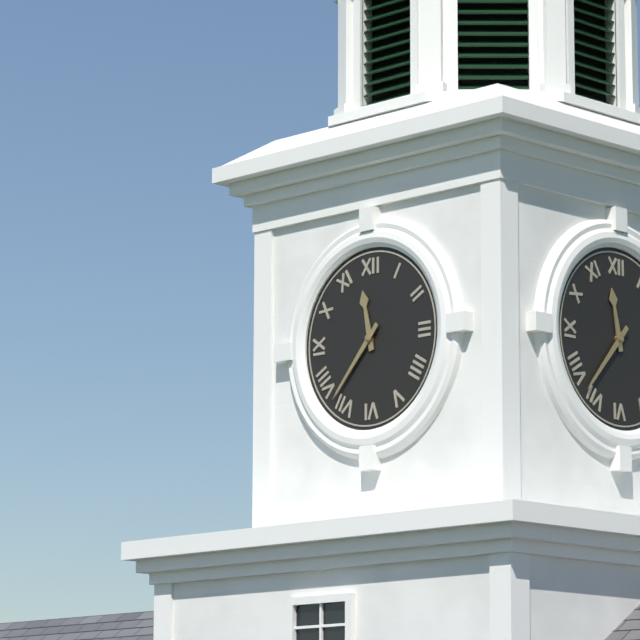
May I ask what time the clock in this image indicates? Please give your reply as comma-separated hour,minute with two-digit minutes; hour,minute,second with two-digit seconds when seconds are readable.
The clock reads 11,37
